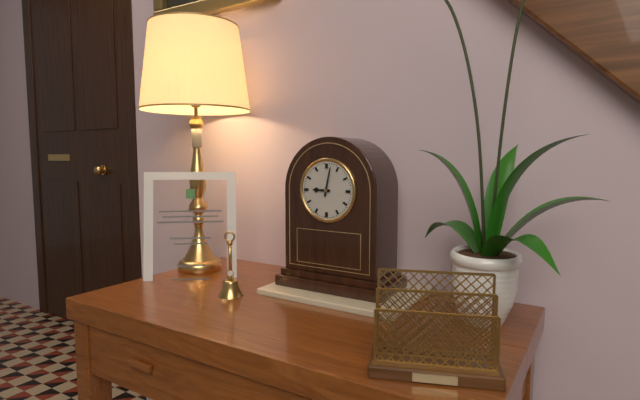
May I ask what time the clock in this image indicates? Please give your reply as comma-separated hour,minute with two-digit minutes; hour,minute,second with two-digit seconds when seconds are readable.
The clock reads 9,02
